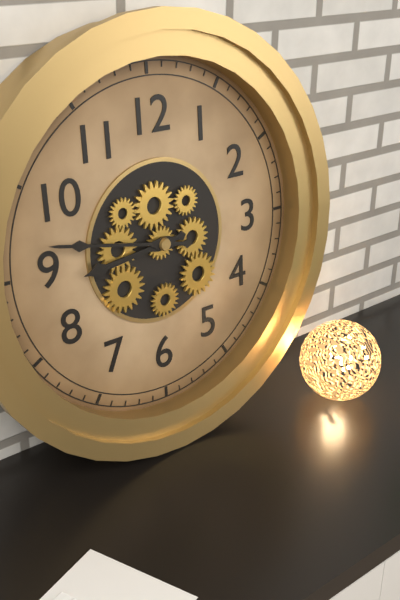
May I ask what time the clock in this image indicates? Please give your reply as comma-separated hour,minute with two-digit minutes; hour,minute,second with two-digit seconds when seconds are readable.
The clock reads 8,47
